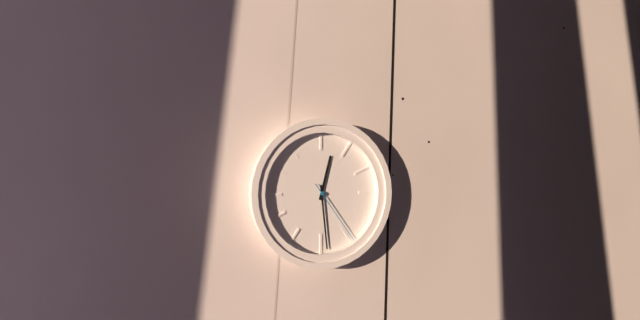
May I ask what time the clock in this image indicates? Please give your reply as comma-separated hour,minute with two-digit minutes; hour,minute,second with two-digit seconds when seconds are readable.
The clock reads 12,29,24
